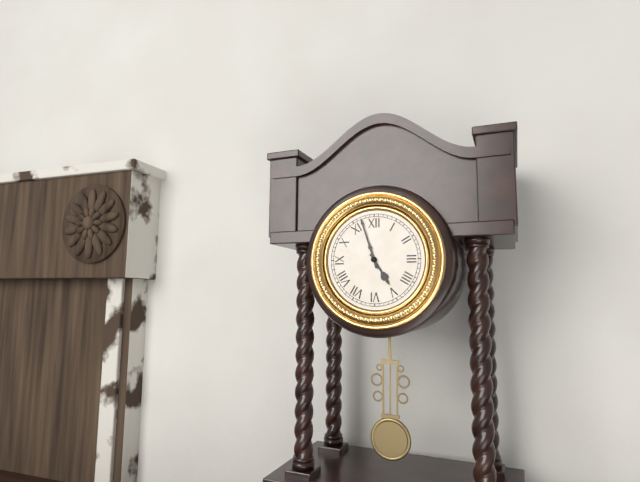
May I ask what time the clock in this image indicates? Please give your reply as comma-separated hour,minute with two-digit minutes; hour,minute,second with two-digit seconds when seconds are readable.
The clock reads 4,57
